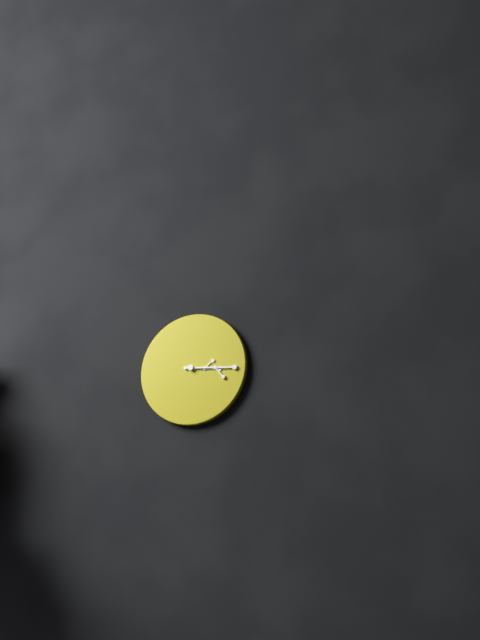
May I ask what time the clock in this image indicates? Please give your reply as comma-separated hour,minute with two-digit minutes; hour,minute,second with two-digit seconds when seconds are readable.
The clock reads 3,16
